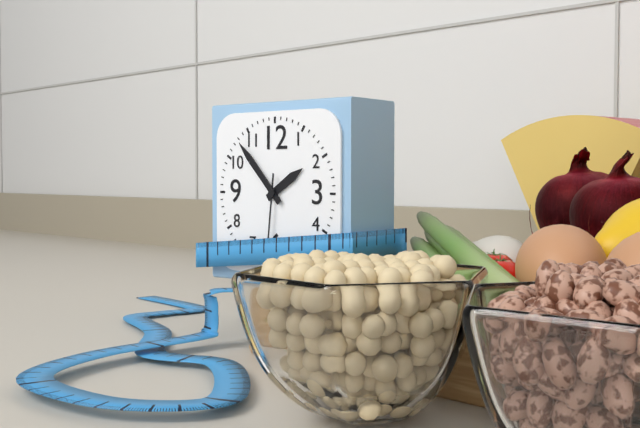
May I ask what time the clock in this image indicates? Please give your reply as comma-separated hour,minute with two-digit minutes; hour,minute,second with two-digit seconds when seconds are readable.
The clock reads 1,53
